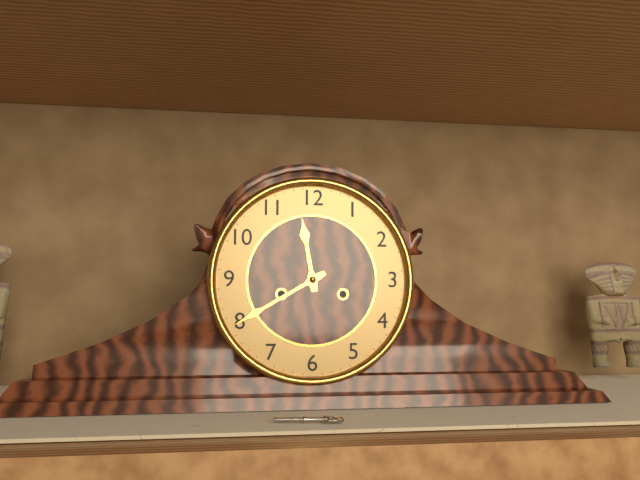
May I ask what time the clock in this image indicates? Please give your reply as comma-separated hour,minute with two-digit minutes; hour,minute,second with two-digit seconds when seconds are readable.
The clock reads 11,40
